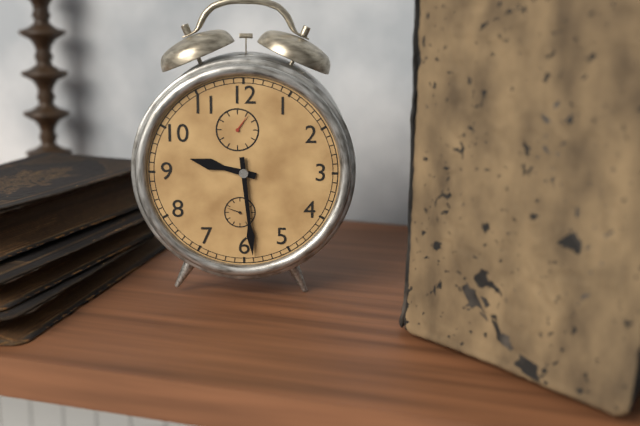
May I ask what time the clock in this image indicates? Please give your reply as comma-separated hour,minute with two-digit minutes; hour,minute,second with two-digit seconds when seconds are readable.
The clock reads 9,29
